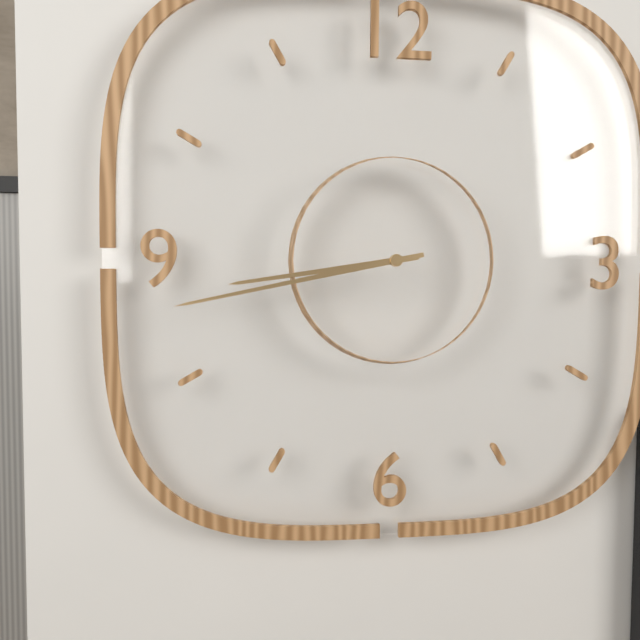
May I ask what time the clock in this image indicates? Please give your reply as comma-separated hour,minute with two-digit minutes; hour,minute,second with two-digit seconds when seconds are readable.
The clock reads 8,43
